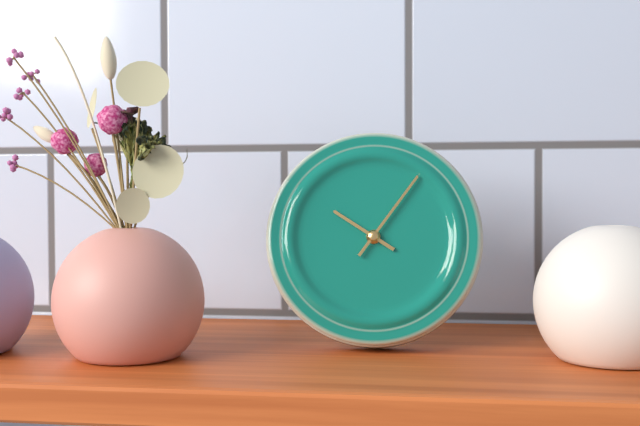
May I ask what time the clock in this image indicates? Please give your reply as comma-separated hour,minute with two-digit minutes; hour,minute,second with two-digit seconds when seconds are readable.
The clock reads 10,06
